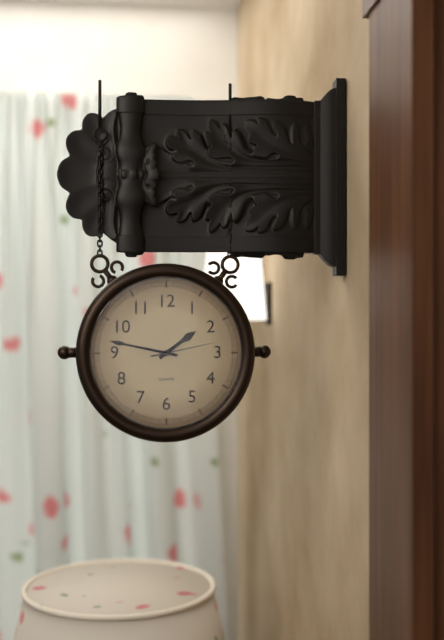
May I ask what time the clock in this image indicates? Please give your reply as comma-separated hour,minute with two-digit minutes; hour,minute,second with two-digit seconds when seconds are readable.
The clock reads 1,47,13
